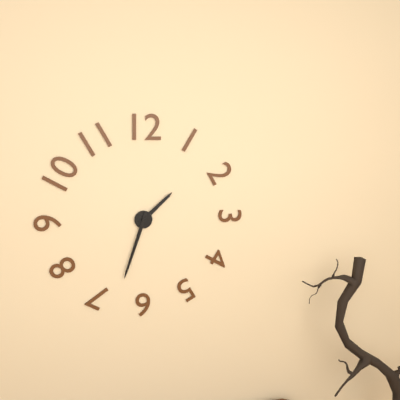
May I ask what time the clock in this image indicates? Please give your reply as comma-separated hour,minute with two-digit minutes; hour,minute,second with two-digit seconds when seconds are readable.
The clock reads 1,33
